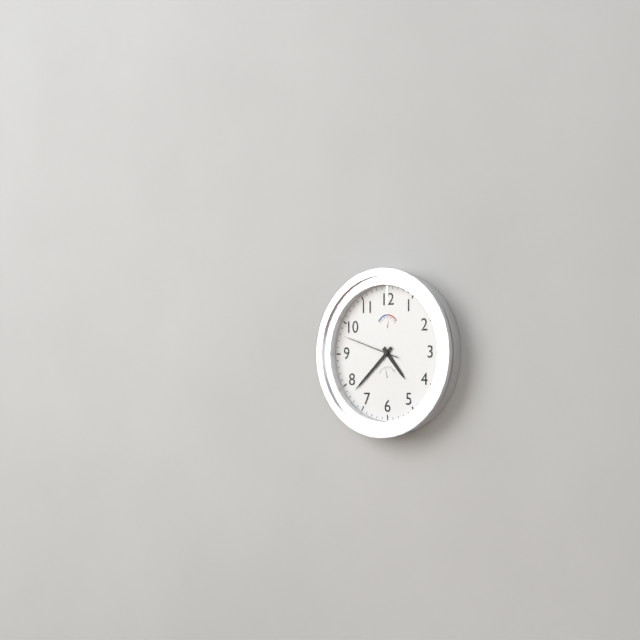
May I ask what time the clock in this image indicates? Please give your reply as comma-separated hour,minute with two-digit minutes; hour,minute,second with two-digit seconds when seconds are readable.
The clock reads 4,38,48
